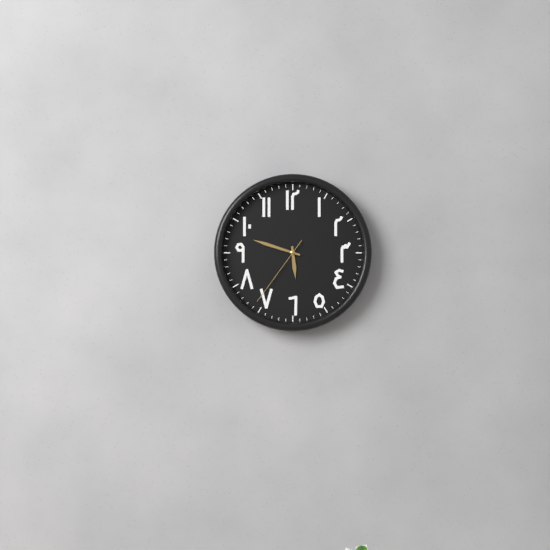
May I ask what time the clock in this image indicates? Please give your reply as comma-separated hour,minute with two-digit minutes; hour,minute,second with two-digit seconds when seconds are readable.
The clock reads 5,48,36
